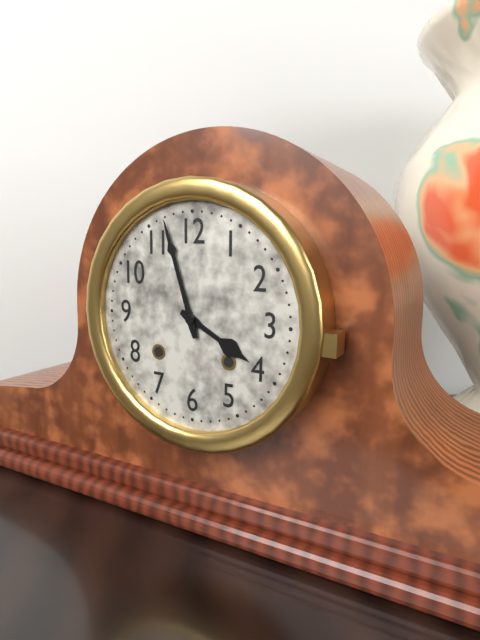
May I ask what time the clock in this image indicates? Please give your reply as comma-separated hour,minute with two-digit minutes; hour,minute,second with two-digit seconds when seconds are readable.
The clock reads 3,57
